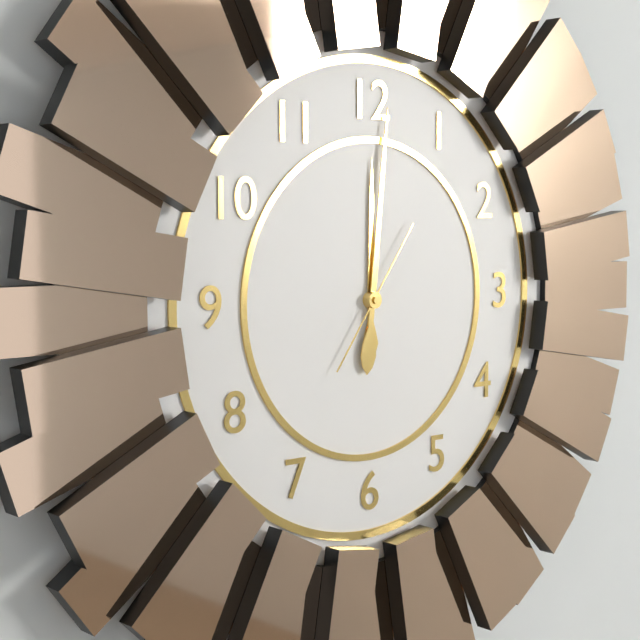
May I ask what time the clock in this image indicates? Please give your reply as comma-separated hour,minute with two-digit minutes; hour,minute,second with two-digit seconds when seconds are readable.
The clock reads 12,01,06
